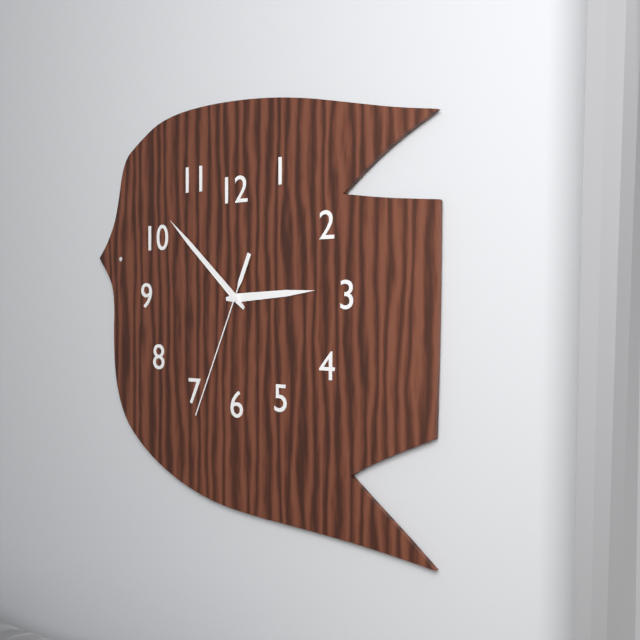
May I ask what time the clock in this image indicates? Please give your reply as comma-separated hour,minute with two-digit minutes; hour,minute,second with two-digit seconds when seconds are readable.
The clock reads 2,52,34
